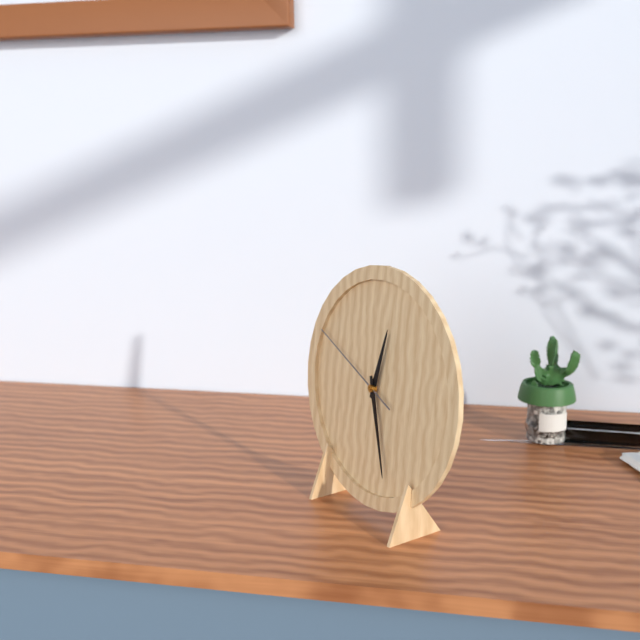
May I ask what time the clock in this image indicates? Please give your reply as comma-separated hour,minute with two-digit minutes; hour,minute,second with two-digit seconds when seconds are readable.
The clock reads 12,27,49
